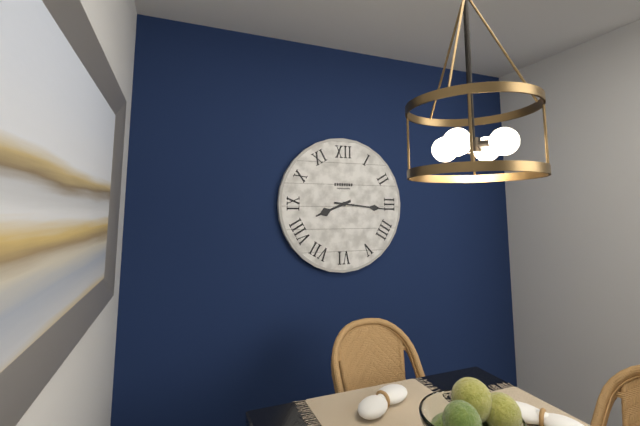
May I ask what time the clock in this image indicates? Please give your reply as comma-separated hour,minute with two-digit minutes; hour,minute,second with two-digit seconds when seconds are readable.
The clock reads 8,16
